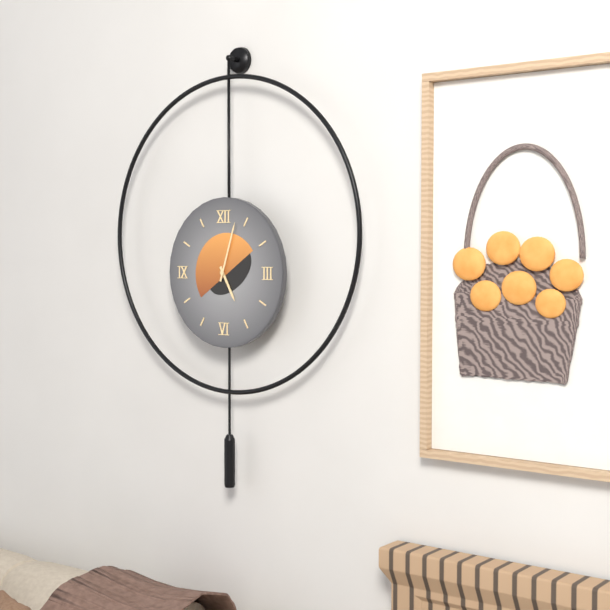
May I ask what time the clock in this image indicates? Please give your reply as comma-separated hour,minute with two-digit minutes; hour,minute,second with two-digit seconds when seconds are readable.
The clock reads 5,03
